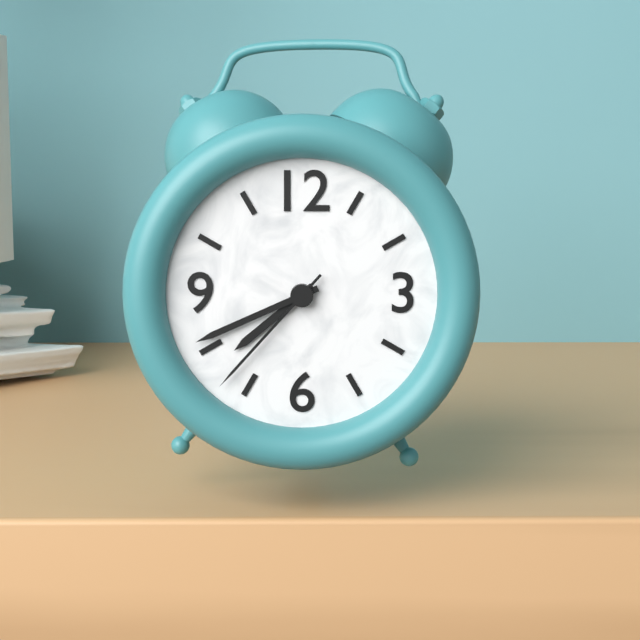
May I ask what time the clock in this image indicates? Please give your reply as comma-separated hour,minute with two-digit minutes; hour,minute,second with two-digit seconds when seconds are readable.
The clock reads 7,41,37
